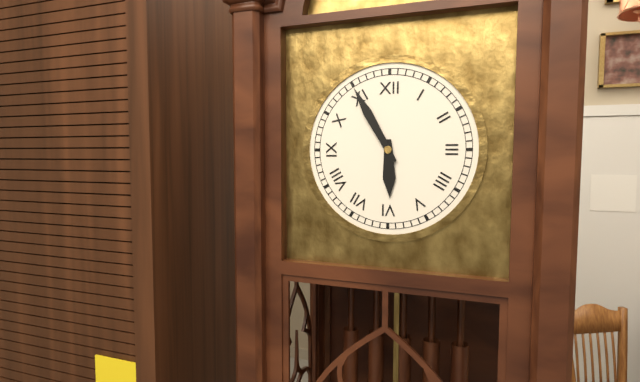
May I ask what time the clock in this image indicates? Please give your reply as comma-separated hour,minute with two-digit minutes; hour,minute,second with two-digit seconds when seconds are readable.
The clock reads 5,55
